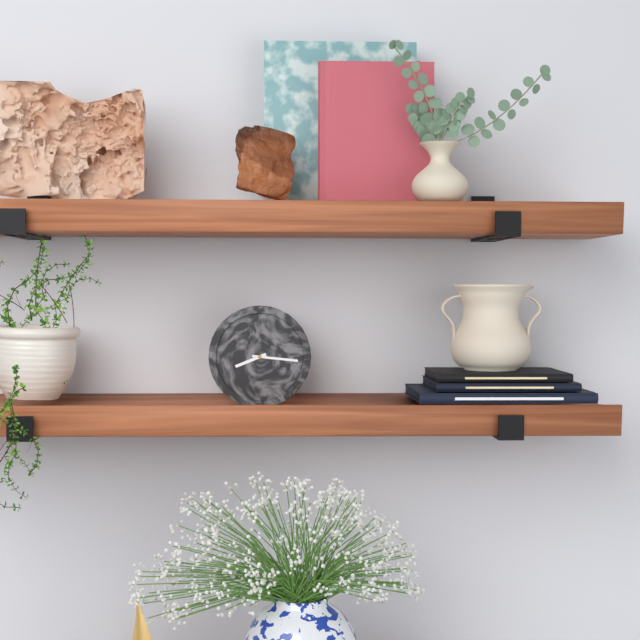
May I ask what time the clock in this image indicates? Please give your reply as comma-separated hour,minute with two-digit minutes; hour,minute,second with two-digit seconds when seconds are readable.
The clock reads 8,16
